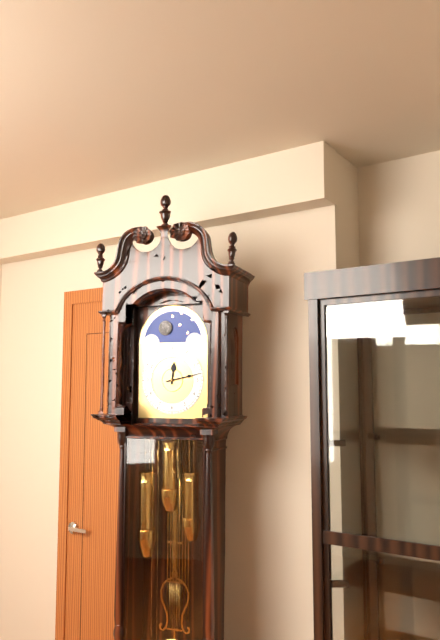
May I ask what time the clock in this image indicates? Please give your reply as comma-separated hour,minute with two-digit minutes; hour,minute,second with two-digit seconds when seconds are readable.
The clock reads 12,13
